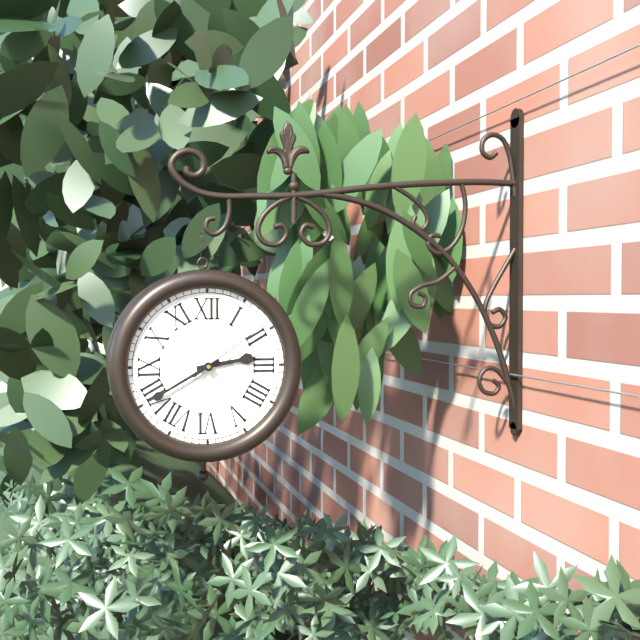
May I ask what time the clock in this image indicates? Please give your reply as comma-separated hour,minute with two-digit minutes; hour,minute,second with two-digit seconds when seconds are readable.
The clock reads 2,40,09
